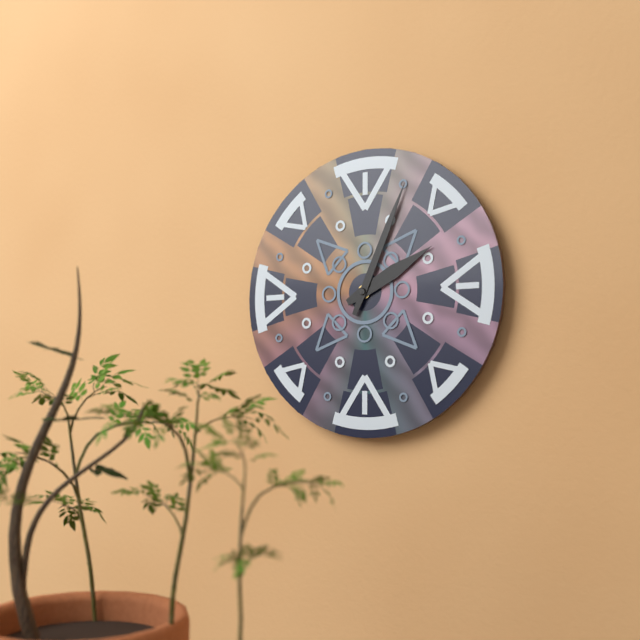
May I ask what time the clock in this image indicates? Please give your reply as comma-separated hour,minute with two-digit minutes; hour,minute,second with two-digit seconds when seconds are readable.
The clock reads 2,04
